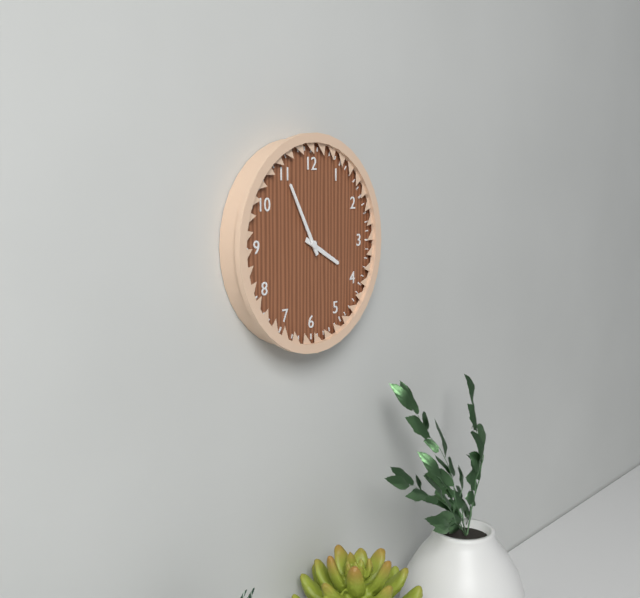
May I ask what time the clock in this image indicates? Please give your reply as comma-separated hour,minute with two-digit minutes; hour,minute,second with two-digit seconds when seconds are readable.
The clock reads 3,55
